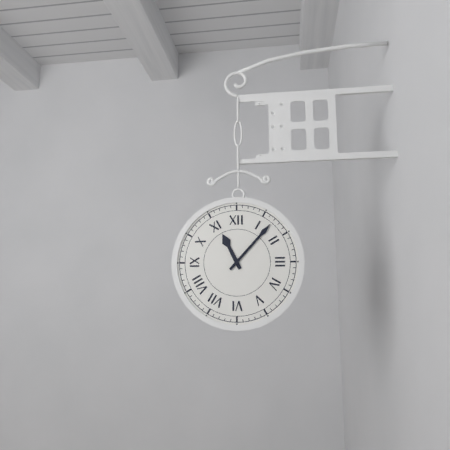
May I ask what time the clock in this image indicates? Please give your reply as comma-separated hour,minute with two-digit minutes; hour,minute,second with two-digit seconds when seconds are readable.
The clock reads 11,07
